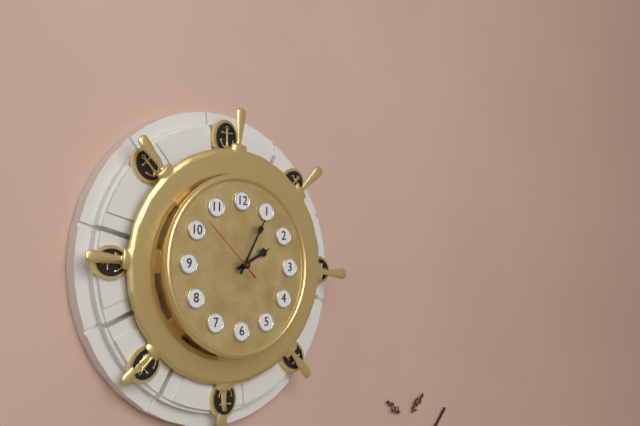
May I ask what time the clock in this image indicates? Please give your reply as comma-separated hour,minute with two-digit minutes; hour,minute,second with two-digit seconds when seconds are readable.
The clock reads 2,05,52
